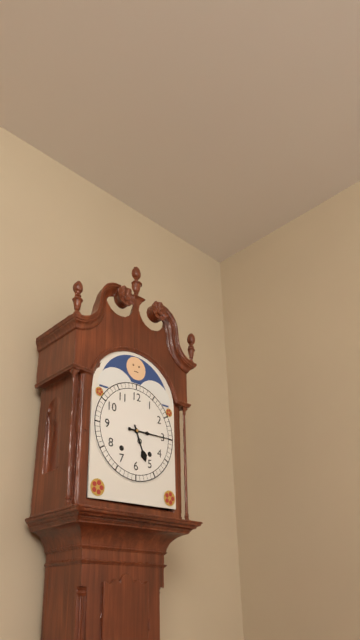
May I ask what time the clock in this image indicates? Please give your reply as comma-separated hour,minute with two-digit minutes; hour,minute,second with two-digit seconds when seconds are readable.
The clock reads 5,15
